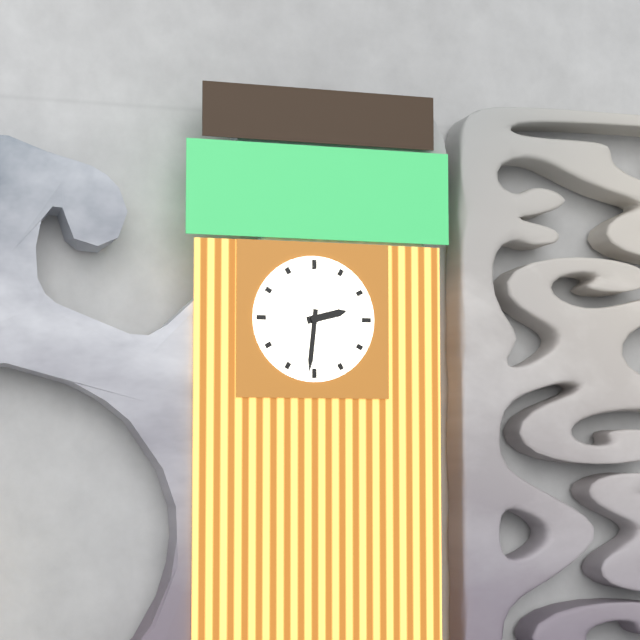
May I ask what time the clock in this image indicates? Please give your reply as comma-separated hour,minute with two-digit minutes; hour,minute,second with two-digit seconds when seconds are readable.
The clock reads 2,31
